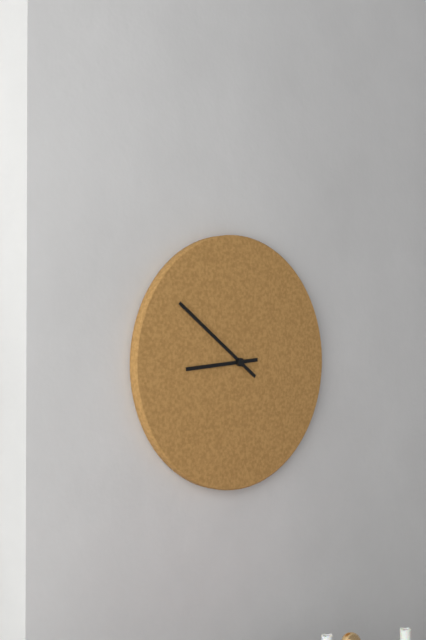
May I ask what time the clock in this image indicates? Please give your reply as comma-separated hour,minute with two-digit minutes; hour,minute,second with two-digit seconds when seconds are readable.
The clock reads 8,51
